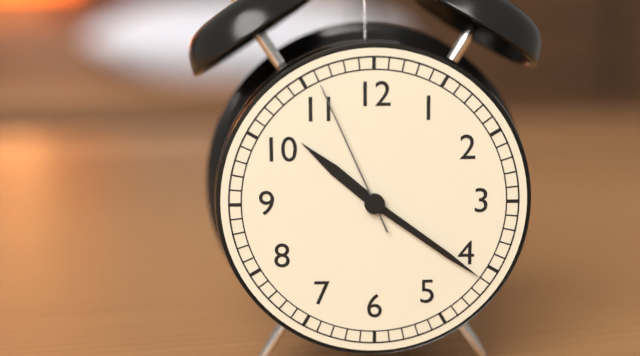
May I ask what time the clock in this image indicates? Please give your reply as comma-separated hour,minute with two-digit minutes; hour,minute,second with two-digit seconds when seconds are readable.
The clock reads 10,21,56
